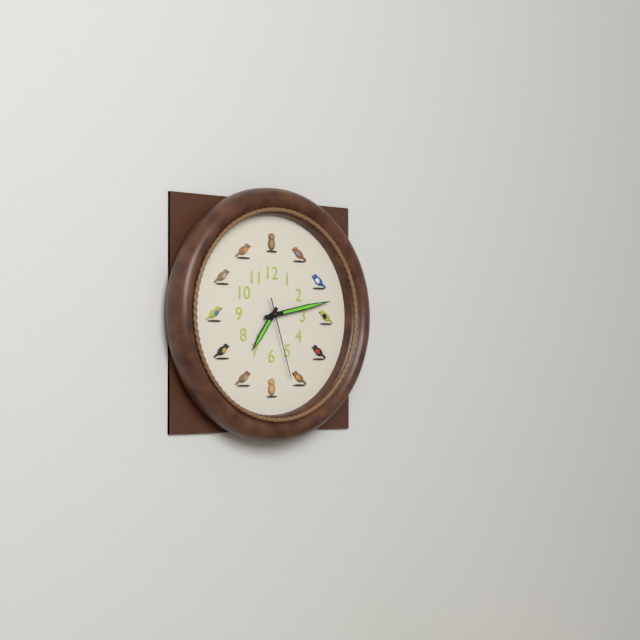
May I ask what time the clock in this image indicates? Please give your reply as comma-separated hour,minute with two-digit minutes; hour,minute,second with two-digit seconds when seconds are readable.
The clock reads 7,13,27
